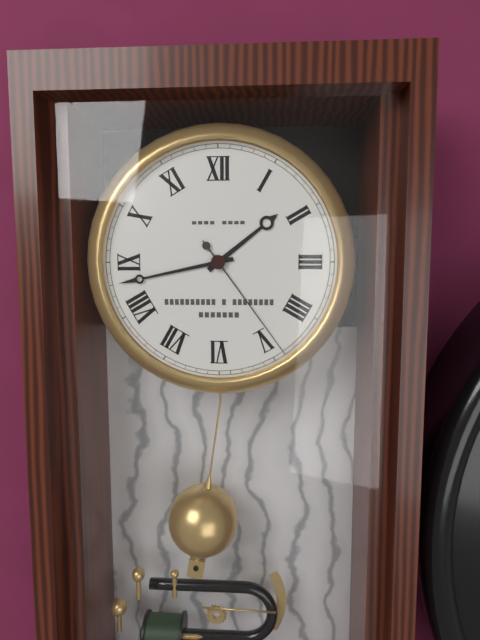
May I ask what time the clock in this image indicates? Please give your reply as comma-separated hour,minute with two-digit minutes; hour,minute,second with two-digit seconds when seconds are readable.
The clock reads 1,43,24
